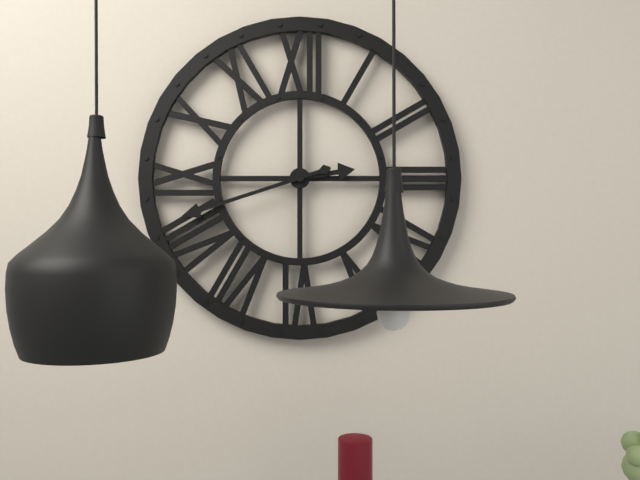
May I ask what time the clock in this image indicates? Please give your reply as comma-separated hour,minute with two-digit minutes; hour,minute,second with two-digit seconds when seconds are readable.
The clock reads 2,42
